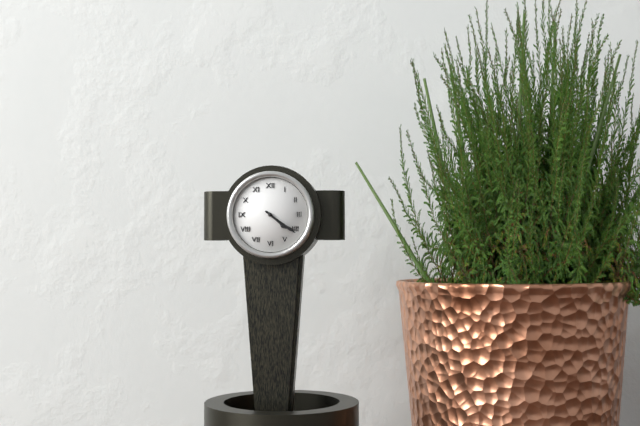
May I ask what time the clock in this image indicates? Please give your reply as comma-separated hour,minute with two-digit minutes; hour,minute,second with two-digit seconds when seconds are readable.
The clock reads 4,21
